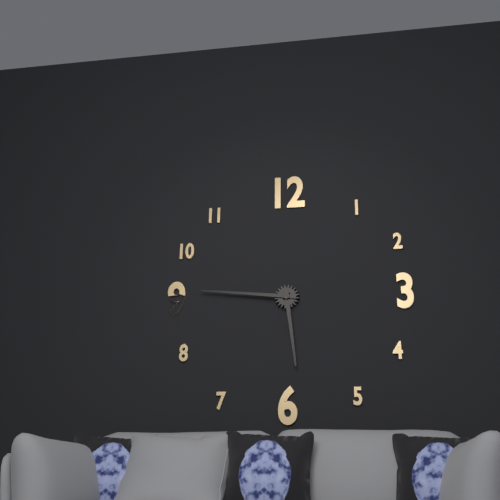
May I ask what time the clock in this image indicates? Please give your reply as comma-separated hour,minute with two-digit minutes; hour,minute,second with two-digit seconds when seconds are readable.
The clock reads 5,46
